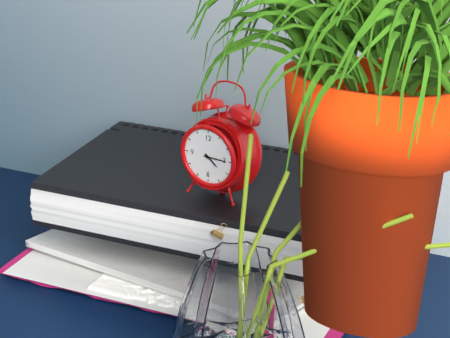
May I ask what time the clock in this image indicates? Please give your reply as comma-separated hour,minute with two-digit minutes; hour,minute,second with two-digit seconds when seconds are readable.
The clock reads 4,15
